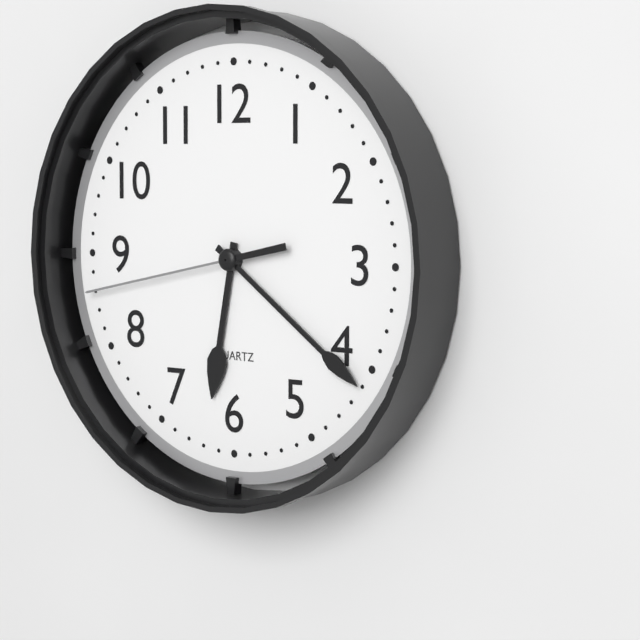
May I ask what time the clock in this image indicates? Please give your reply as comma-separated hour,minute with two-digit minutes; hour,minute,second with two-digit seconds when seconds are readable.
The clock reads 6,21,43
